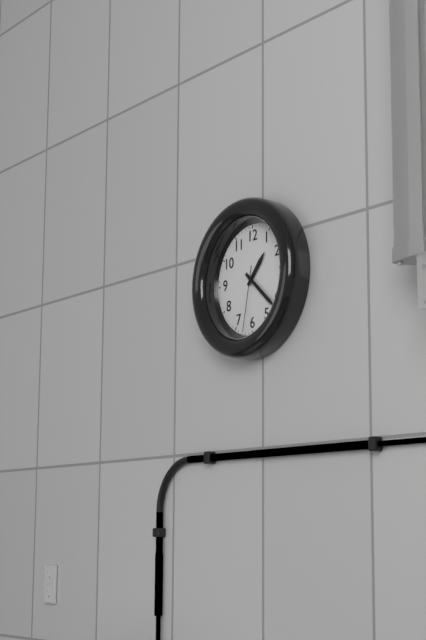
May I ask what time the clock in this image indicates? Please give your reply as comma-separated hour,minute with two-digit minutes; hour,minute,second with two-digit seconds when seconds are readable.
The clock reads 1,22,32
